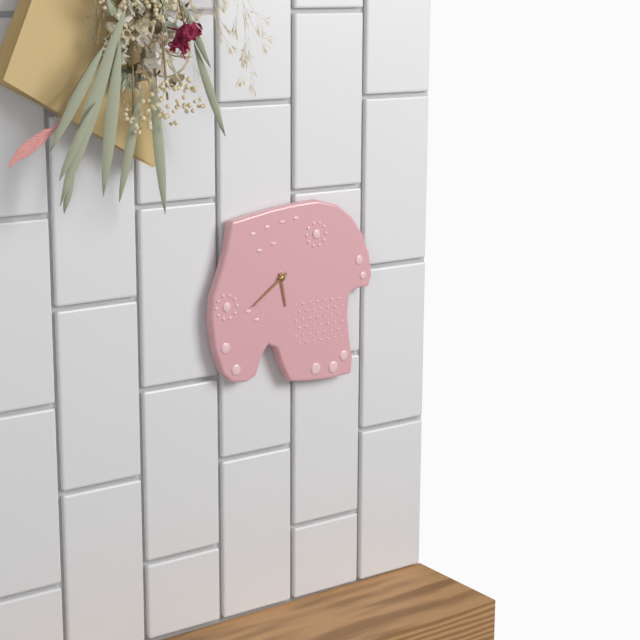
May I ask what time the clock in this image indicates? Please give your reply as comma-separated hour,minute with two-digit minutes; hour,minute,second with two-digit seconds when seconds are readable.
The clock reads 5,39
